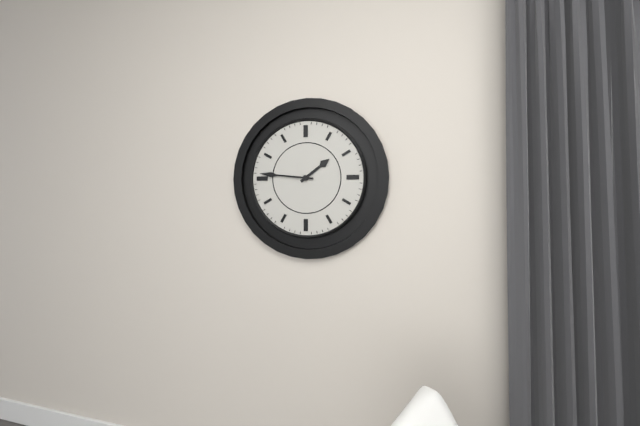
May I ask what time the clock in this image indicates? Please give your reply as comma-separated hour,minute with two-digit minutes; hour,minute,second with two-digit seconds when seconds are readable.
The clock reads 1,46
